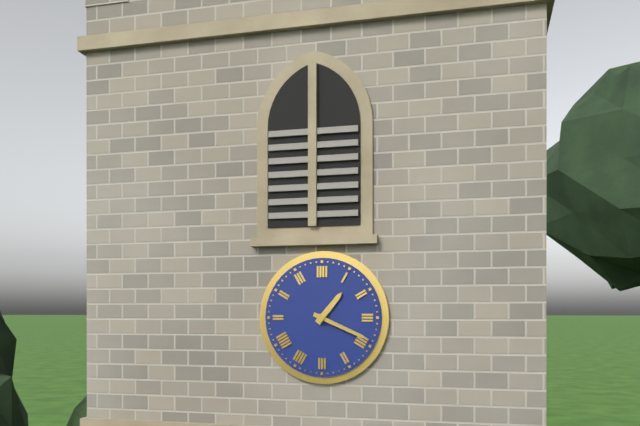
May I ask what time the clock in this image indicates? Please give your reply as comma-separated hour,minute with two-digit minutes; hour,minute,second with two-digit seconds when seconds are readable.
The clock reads 1,19
